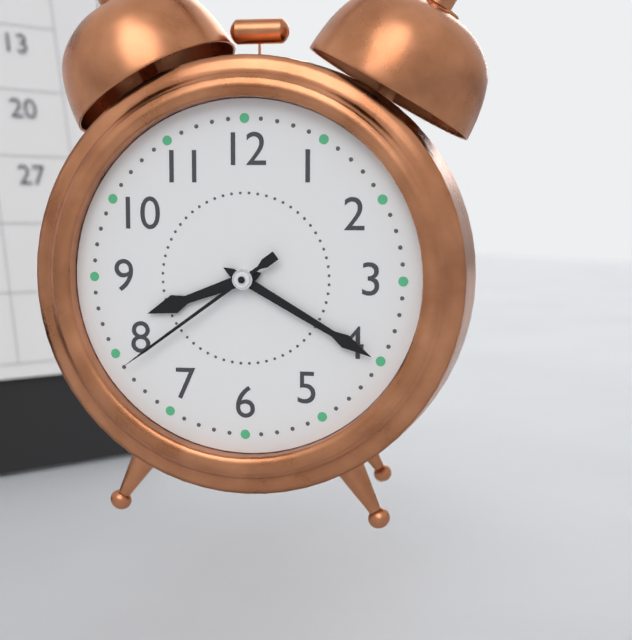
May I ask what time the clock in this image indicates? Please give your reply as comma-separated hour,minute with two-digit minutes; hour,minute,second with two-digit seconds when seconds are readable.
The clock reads 8,20,39
